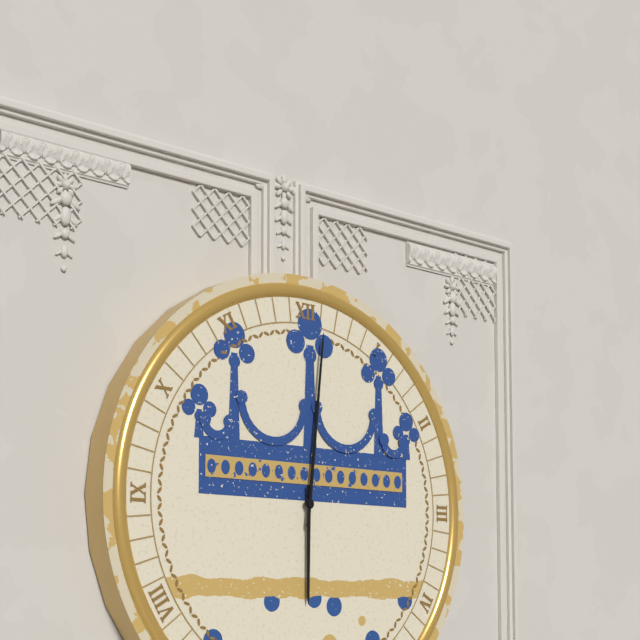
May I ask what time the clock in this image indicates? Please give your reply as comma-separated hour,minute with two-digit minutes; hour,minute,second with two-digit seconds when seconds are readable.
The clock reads 6,01
